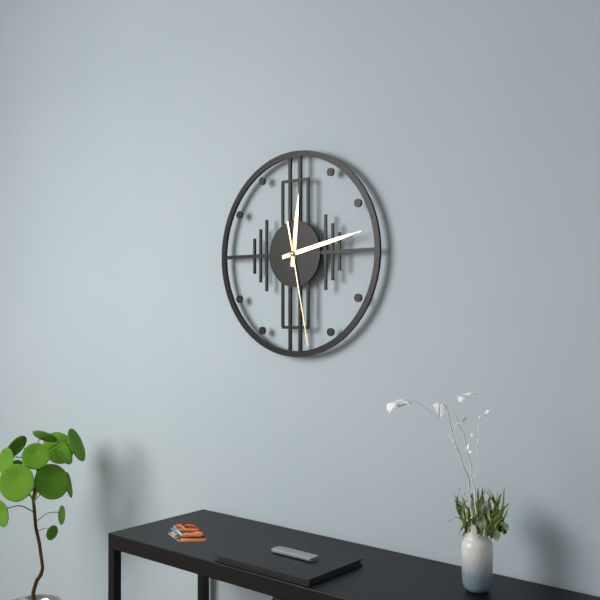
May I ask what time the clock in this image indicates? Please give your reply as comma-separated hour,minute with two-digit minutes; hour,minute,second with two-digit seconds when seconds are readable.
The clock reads 12,13,28
